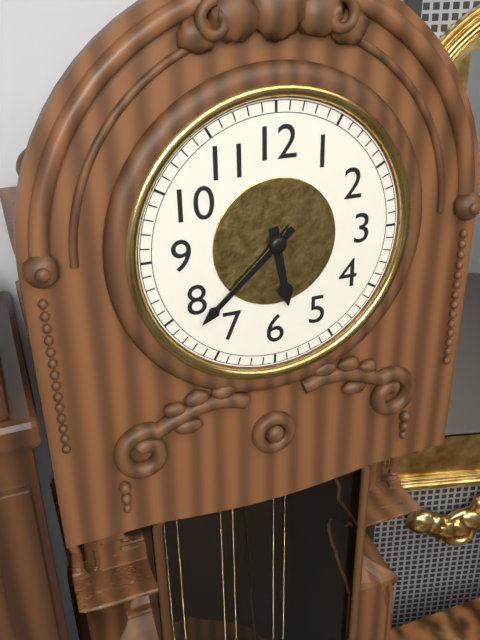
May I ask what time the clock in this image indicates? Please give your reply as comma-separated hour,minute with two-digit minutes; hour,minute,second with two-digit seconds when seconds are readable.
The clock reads 5,38
